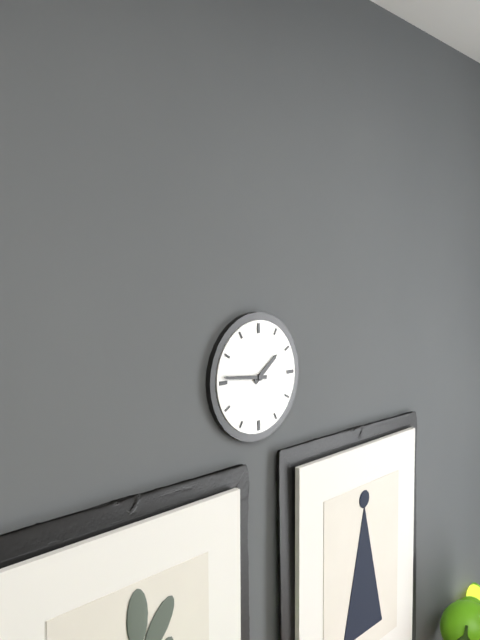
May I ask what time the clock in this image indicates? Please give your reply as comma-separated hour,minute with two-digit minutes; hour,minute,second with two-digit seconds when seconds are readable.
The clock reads 1,46
